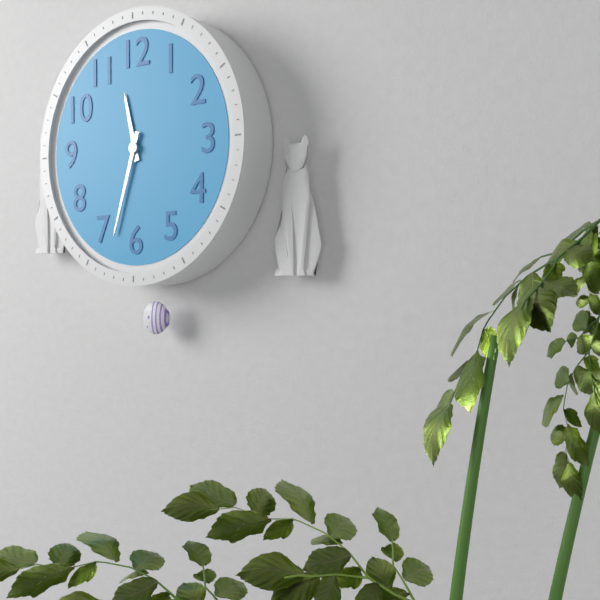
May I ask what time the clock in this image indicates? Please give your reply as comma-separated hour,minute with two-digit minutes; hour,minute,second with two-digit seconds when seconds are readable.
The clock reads 11,33
